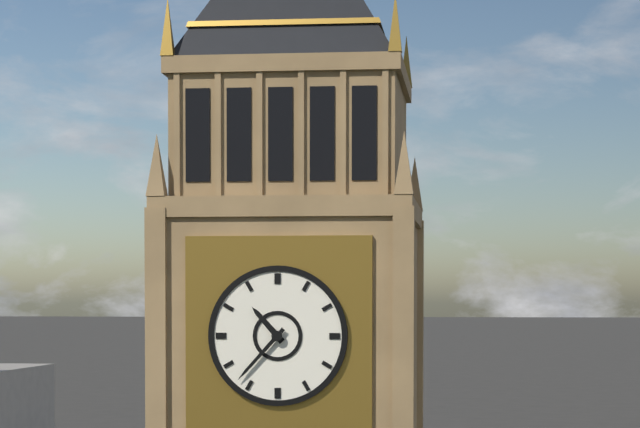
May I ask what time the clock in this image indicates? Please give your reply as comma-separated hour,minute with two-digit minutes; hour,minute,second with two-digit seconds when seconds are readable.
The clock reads 10,37
